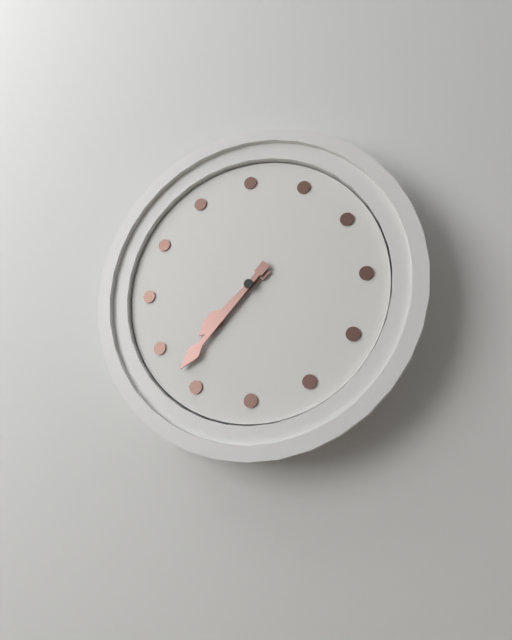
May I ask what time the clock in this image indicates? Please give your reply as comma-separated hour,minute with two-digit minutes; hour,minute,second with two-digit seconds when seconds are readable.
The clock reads 7,37
